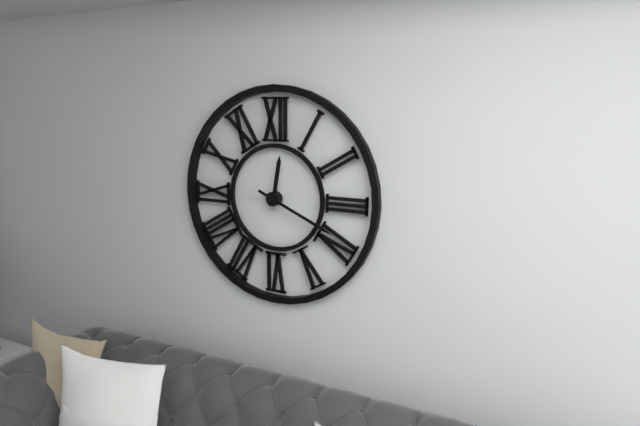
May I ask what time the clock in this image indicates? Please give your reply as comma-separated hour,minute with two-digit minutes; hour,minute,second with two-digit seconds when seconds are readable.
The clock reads 12,19
